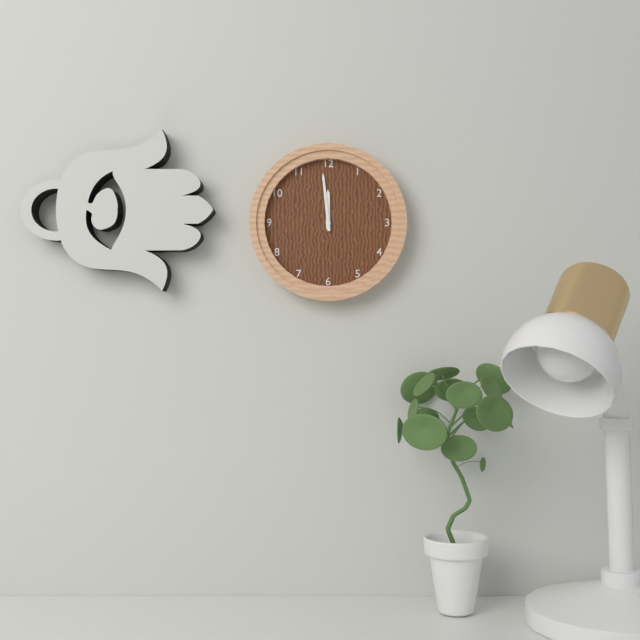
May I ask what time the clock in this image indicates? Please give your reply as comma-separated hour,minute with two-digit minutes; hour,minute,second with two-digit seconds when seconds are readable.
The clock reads 11,59
